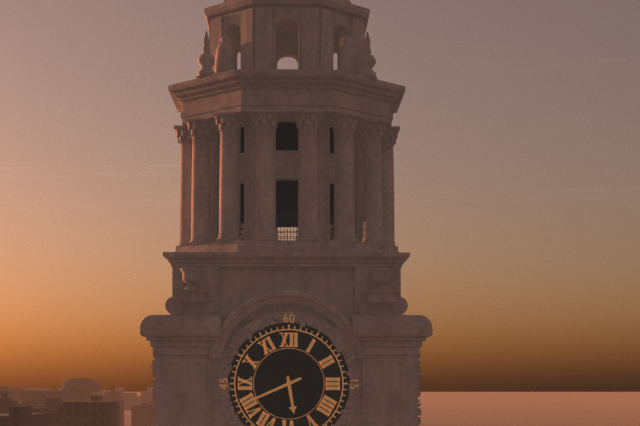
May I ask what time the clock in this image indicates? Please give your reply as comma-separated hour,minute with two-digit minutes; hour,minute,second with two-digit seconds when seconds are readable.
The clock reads 5,41
